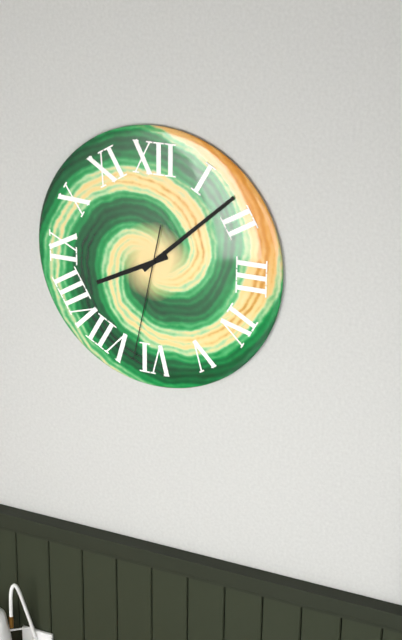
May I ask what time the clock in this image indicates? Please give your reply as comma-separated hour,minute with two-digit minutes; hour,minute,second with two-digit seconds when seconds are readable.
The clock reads 8,08,32
